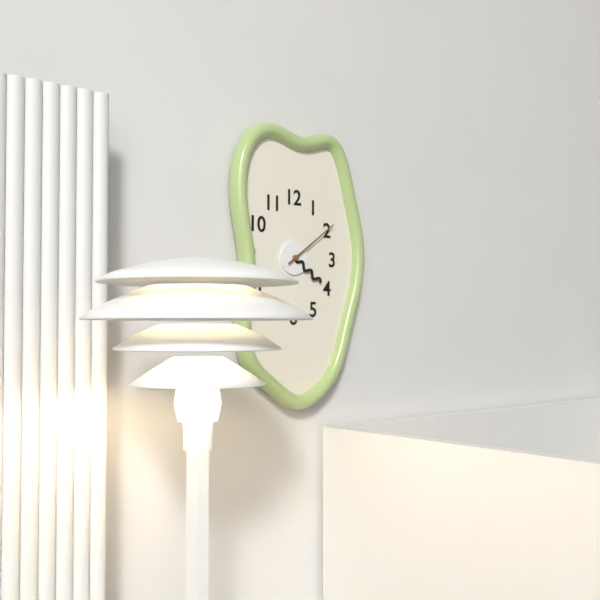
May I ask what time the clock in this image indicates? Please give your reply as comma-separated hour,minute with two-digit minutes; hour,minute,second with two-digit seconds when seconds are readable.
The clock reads 4,09
